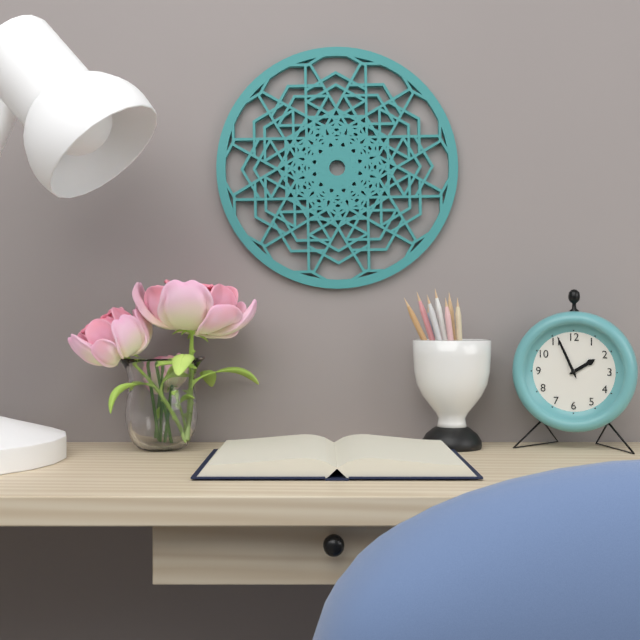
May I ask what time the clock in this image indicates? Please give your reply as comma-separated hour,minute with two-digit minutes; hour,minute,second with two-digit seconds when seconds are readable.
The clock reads 1,56
